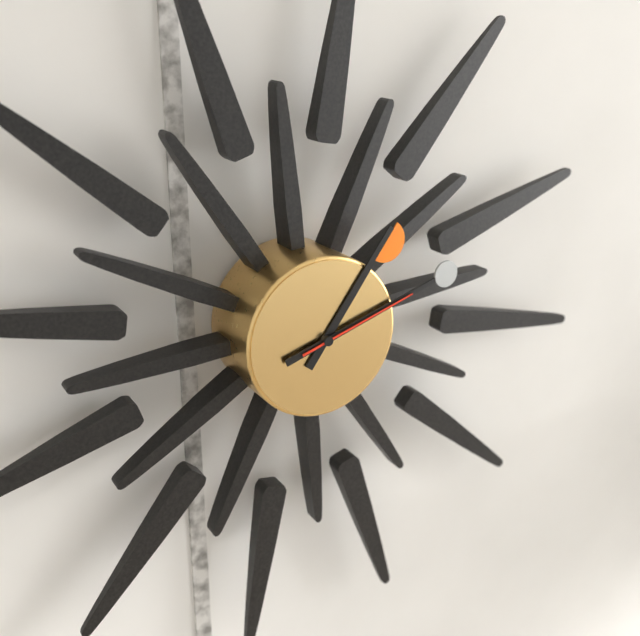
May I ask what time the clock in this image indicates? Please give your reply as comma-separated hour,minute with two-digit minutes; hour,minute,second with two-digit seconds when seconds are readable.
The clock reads 1,12,12
